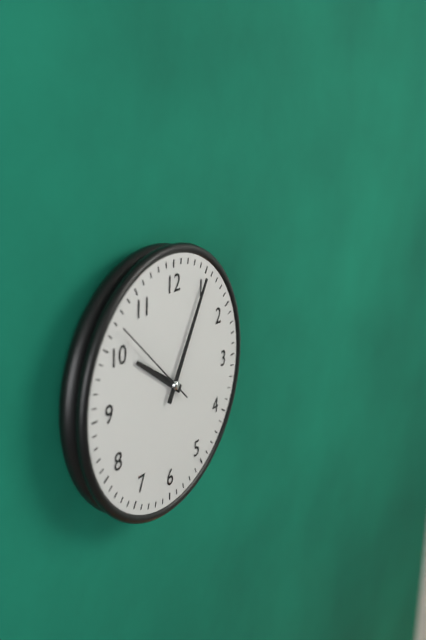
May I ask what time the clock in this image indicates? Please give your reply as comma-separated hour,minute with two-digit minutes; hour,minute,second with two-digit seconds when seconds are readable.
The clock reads 10,05,52
